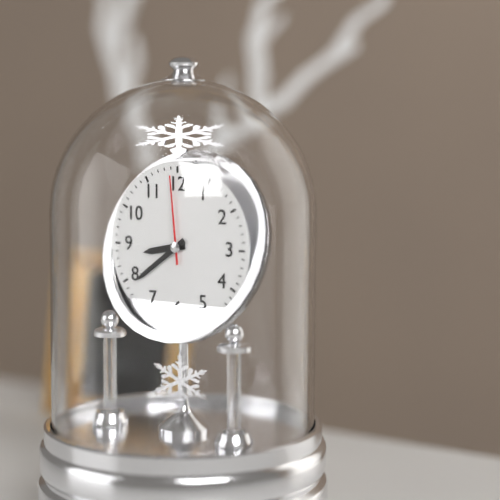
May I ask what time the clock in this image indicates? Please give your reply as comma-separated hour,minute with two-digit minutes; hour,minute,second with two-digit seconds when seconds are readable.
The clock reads 8,39,59
